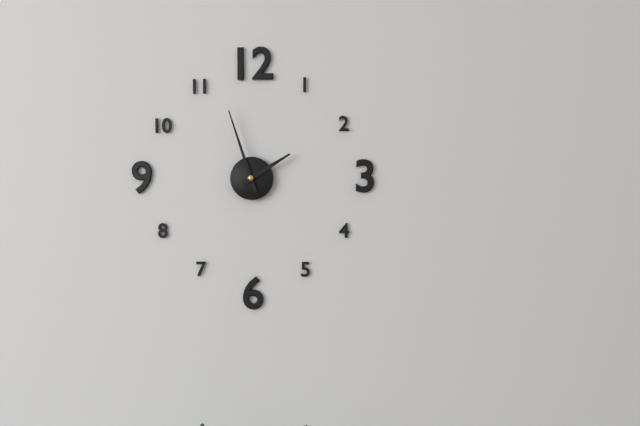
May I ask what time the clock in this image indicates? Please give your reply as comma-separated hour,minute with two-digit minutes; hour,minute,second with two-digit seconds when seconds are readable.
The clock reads 1,57
